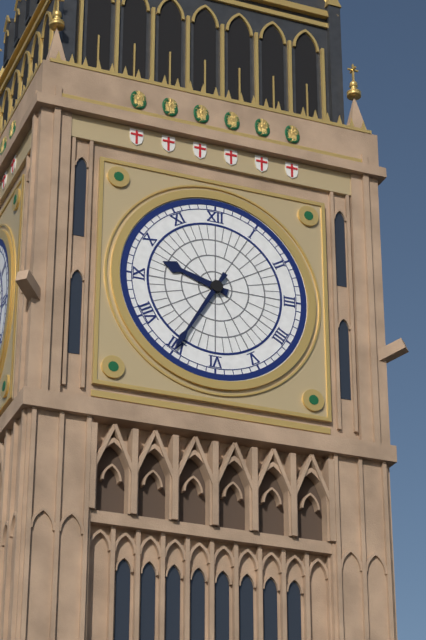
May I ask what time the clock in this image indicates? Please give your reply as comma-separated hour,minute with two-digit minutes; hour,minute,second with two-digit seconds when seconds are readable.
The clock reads 9,35
